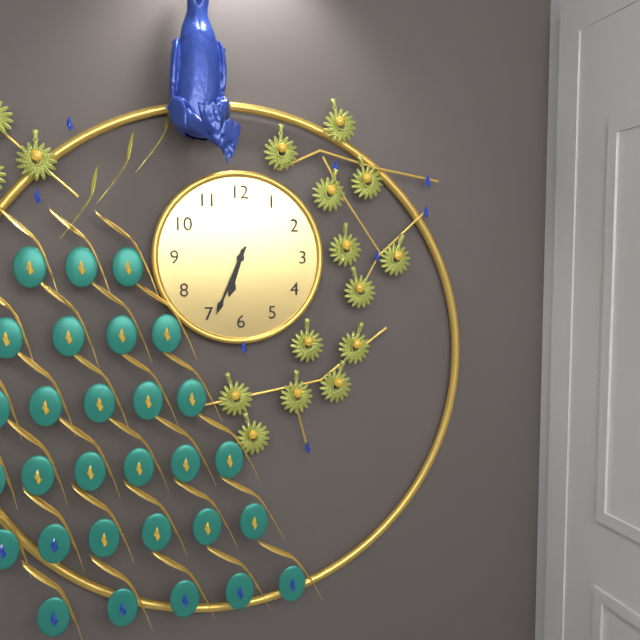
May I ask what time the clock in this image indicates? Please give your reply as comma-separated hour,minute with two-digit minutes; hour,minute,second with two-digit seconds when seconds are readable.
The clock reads 6,34
